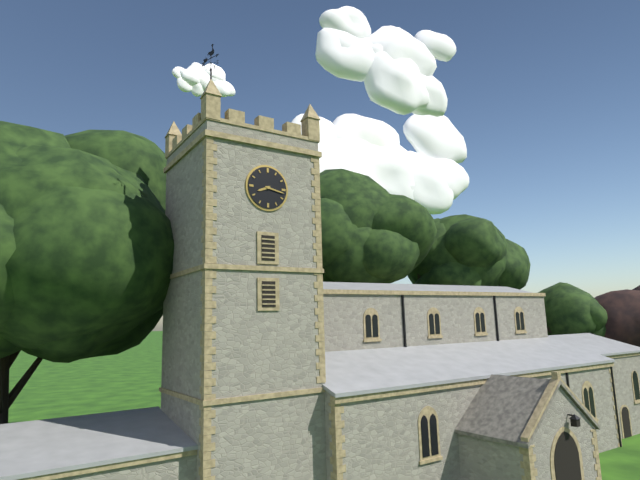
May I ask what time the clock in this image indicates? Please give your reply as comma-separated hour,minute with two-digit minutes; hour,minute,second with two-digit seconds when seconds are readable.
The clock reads 8,17
